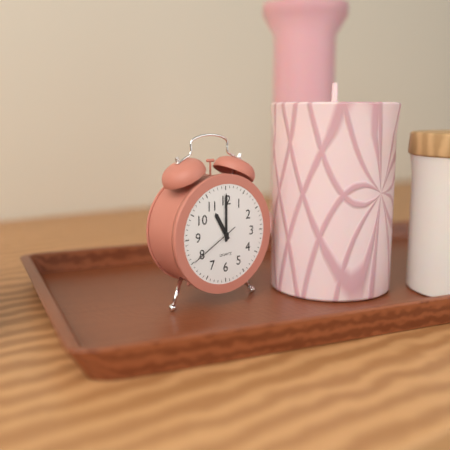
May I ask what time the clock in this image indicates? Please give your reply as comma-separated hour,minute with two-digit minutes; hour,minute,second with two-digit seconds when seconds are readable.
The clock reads 11,00,40
